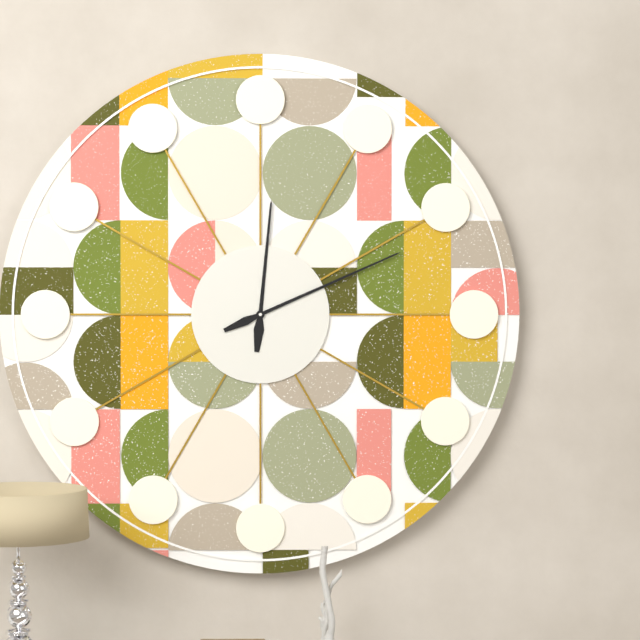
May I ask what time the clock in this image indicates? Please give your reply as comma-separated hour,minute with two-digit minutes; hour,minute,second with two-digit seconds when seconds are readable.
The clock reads 12,11
